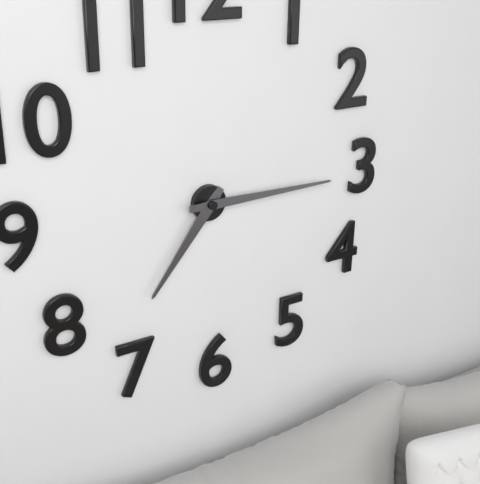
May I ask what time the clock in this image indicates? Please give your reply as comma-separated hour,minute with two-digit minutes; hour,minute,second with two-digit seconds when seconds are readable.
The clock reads 7,15
